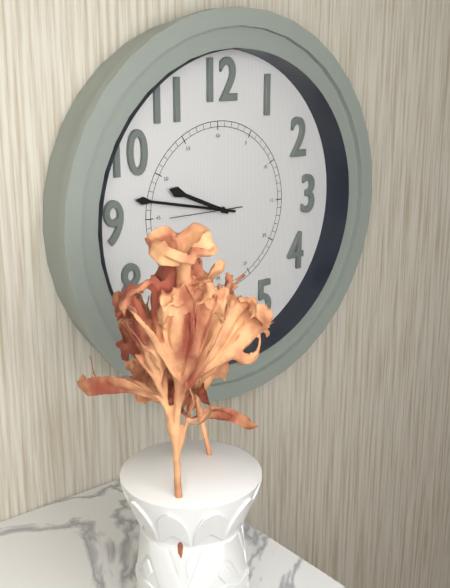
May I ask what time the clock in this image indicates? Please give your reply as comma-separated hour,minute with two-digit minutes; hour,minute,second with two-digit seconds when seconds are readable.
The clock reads 9,47,45
